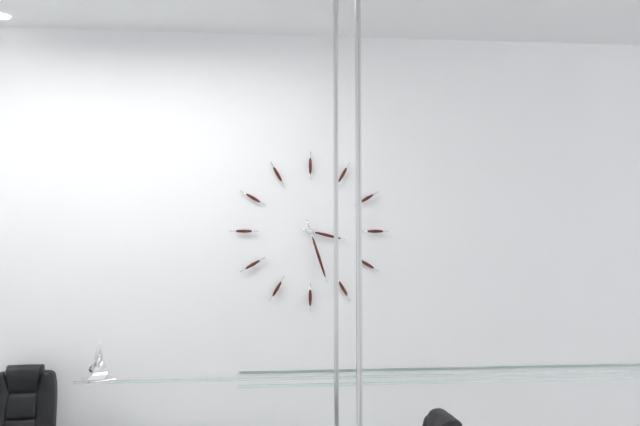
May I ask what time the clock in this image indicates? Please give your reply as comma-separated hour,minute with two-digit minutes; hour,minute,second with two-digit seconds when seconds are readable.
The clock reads 3,27
